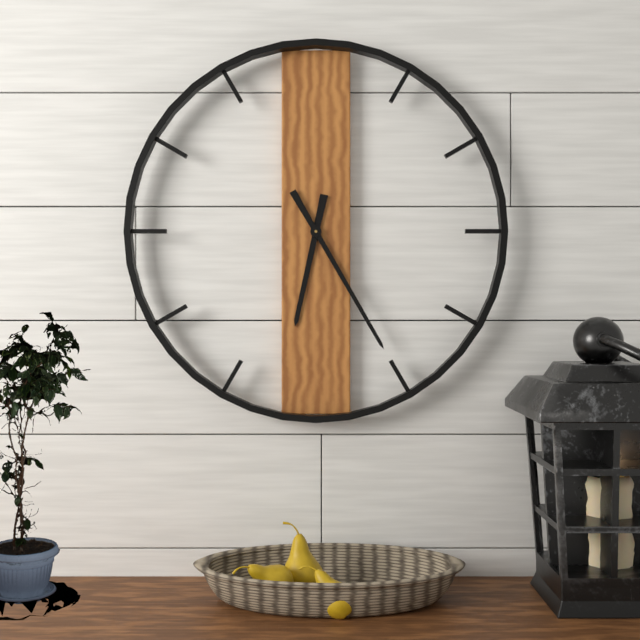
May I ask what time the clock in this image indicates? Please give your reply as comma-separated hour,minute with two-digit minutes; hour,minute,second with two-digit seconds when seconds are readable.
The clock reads 6,25
